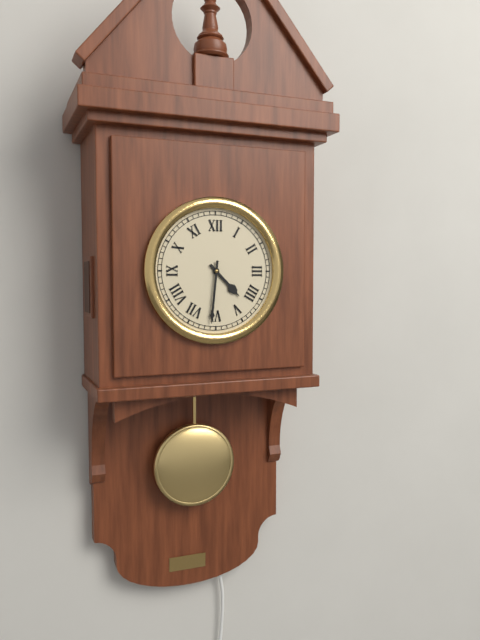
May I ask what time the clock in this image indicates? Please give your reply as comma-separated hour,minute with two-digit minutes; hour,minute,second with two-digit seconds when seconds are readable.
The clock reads 4,31
